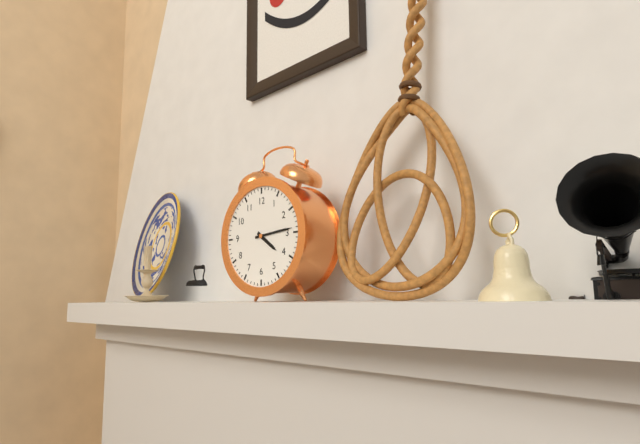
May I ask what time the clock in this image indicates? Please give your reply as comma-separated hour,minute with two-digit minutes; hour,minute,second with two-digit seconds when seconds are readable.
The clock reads 4,14
